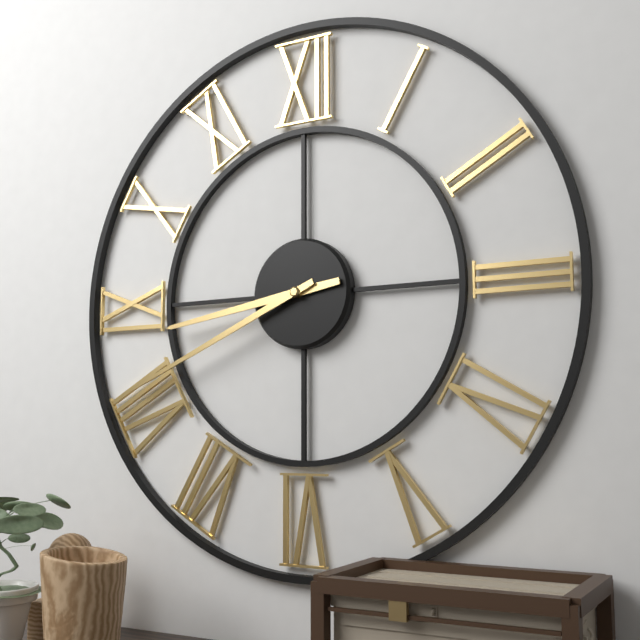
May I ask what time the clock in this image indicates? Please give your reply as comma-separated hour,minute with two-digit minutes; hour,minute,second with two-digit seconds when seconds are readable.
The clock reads 8,41
